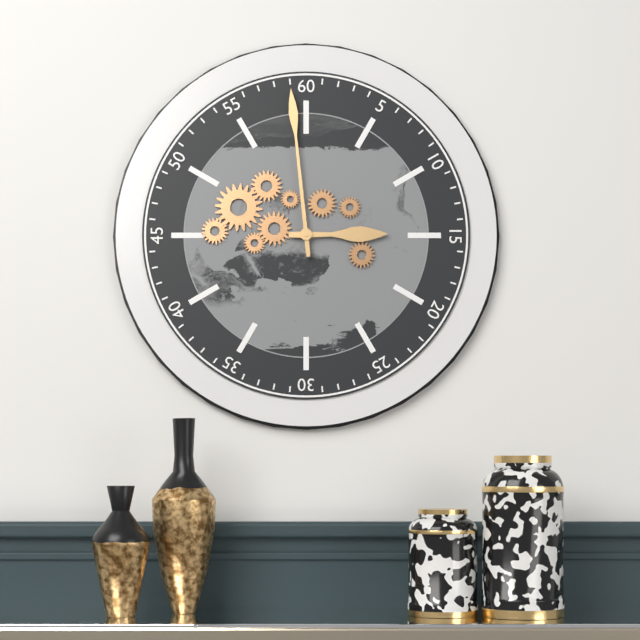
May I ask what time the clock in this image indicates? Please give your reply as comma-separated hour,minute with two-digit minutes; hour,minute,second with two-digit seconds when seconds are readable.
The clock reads 2,59
